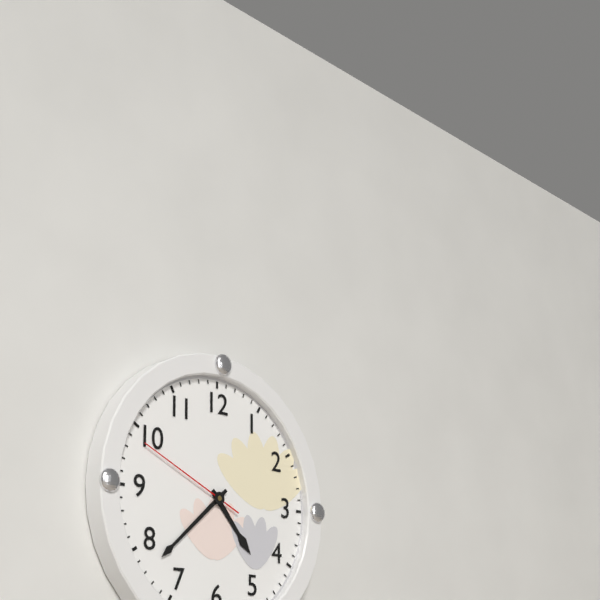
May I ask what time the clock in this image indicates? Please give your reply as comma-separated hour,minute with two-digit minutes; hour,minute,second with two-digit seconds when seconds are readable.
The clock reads 4,38,49
